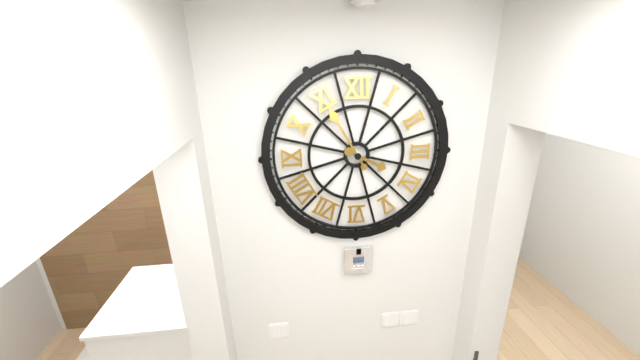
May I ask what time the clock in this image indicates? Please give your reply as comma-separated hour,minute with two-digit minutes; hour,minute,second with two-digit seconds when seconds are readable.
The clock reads 3,55
